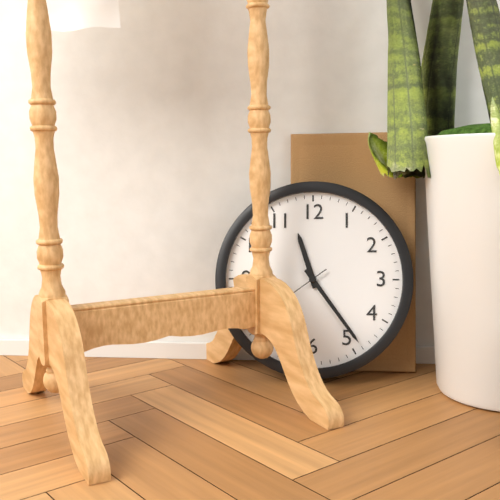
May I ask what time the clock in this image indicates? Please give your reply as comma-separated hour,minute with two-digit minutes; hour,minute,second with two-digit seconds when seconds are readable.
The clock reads 11,24
